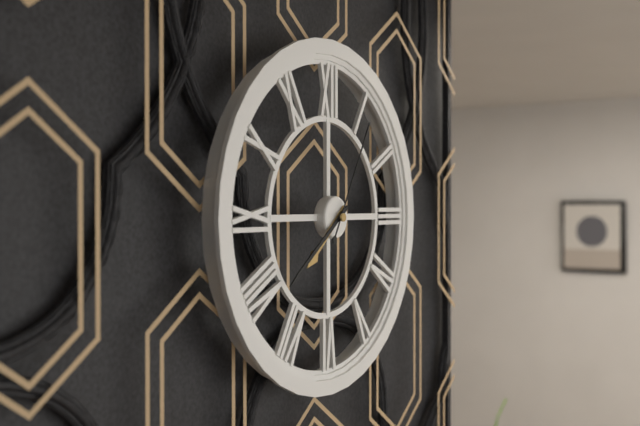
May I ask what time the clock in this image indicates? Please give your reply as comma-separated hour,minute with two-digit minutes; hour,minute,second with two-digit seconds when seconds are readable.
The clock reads 7,39,05
